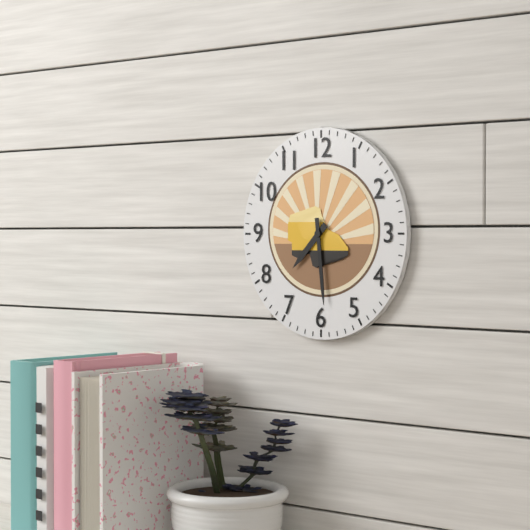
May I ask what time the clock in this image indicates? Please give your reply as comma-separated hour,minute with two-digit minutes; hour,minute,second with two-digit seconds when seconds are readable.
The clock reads 7,29
